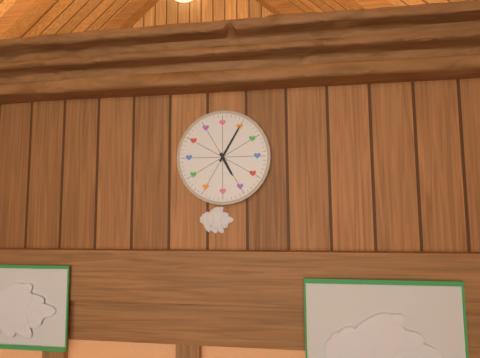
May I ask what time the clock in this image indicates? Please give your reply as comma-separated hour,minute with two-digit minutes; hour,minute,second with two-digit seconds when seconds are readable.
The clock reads 5,05
